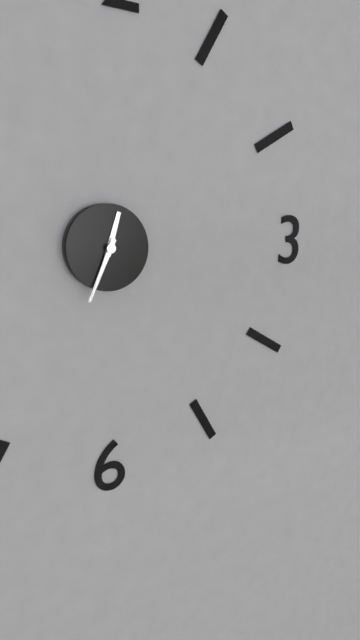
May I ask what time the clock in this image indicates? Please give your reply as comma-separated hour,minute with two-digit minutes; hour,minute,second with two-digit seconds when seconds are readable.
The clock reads 12,34
